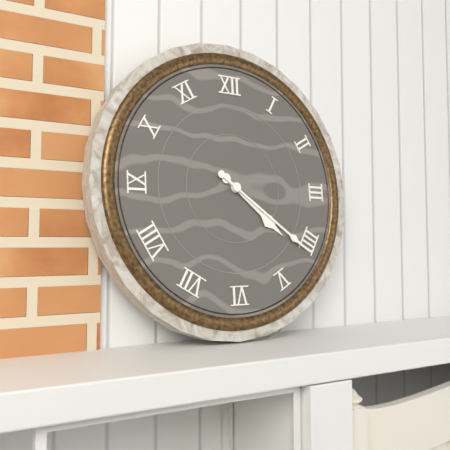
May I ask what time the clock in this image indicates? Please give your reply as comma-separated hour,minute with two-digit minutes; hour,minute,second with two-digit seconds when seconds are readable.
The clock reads 4,21
